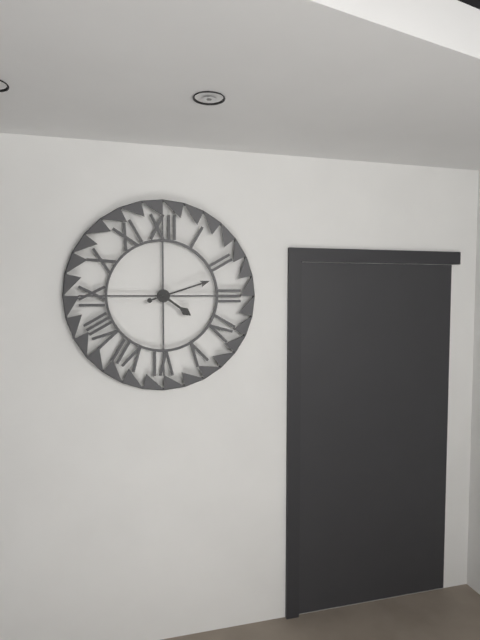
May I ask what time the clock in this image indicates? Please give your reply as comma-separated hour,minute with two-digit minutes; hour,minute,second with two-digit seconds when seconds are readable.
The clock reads 4,12
